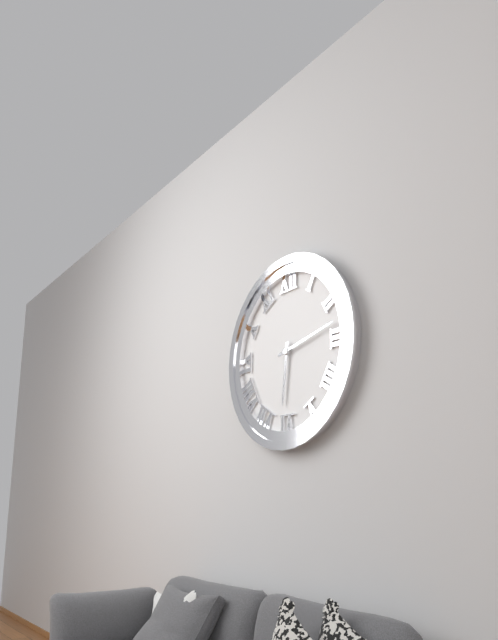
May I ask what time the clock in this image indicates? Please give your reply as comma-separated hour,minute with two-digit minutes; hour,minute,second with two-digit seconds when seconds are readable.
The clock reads 6,13
